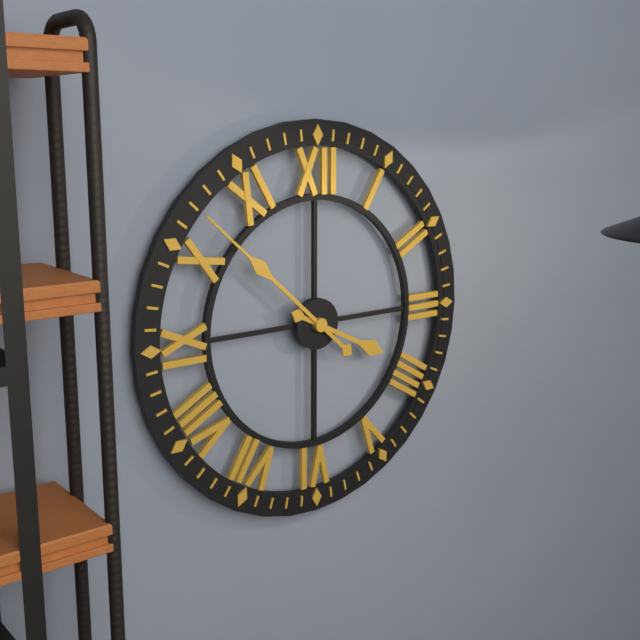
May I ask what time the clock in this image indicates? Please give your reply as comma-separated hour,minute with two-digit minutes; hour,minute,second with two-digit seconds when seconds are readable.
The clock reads 3,52
